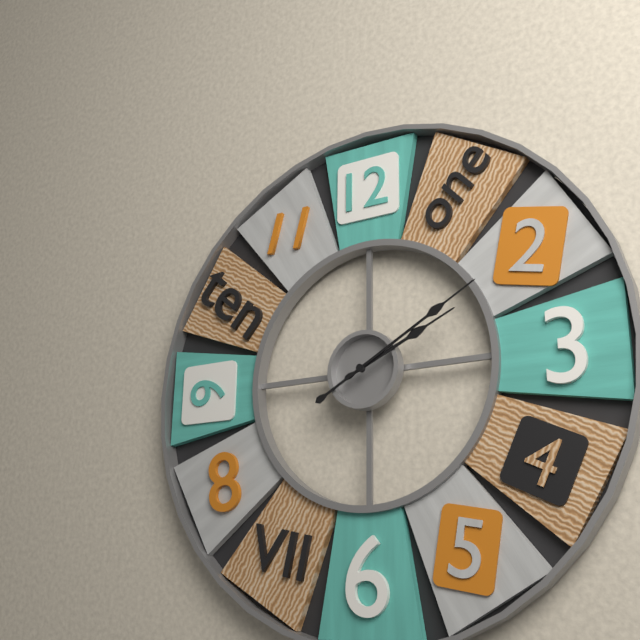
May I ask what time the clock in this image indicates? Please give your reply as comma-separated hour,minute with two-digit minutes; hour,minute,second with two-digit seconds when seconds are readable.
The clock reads 2,10
